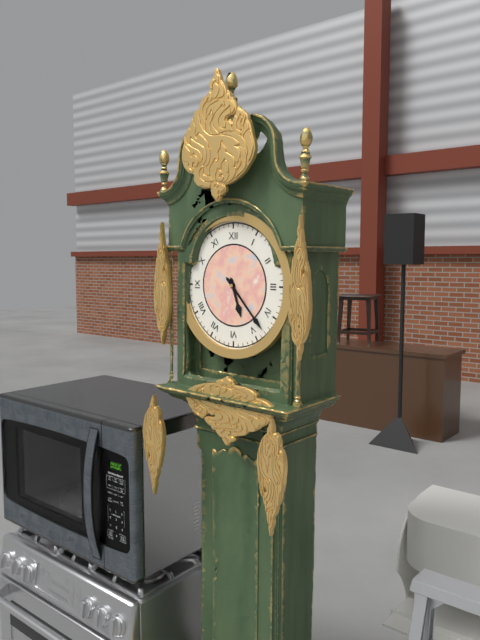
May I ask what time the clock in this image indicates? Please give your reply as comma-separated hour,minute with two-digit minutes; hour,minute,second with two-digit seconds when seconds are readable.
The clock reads 5,23
